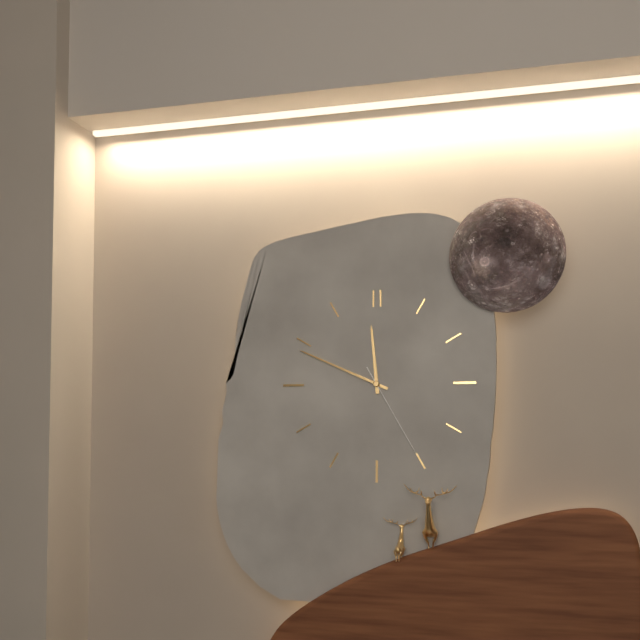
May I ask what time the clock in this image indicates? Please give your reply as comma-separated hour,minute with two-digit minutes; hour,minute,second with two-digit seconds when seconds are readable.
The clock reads 11,49,25
